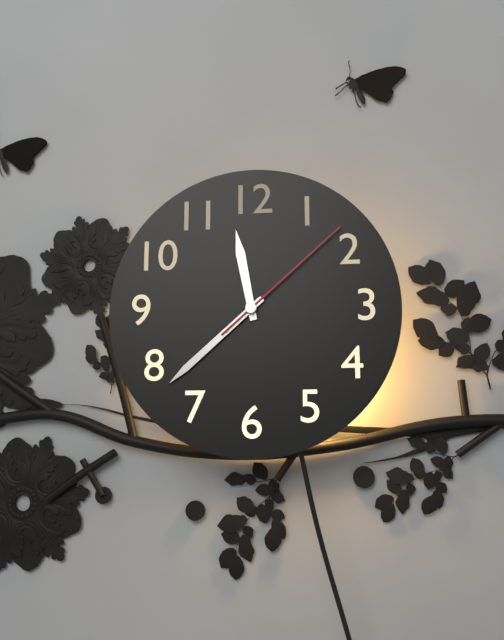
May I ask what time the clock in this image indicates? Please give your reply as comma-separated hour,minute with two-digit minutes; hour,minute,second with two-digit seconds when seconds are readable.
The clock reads 11,38,08
